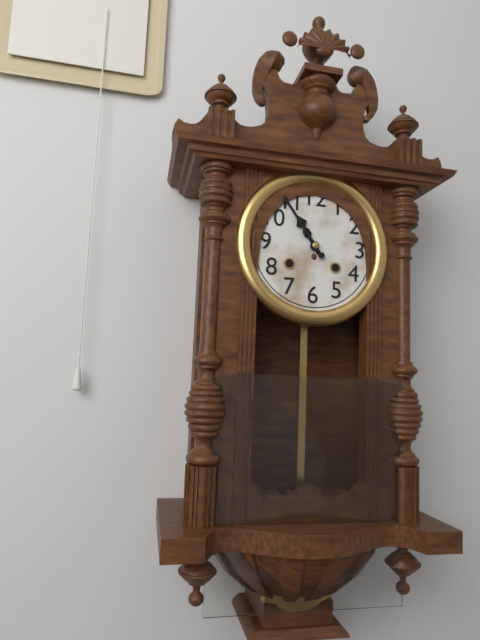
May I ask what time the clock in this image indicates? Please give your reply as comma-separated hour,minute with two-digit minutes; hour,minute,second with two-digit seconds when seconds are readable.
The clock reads 10,54
